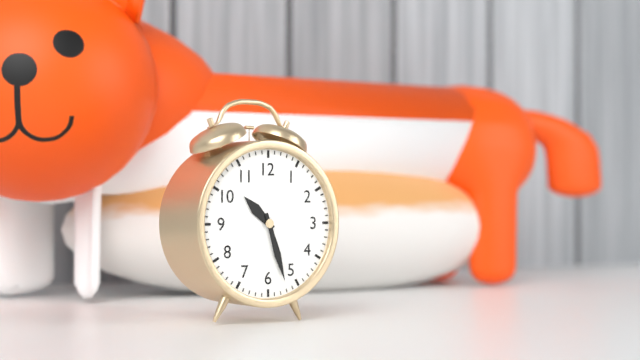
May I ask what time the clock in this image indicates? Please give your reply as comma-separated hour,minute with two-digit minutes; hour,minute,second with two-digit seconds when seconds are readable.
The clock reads 10,27
